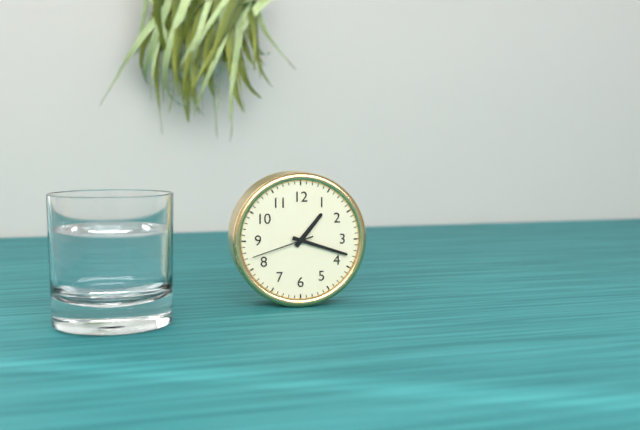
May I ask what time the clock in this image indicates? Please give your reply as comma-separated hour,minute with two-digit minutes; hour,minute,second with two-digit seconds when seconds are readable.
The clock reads 1,18,42
